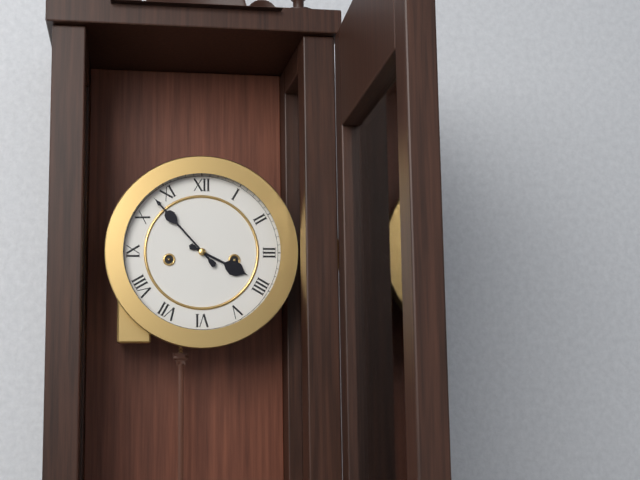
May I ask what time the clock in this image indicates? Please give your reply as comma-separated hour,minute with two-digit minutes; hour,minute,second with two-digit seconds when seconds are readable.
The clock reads 3,53
